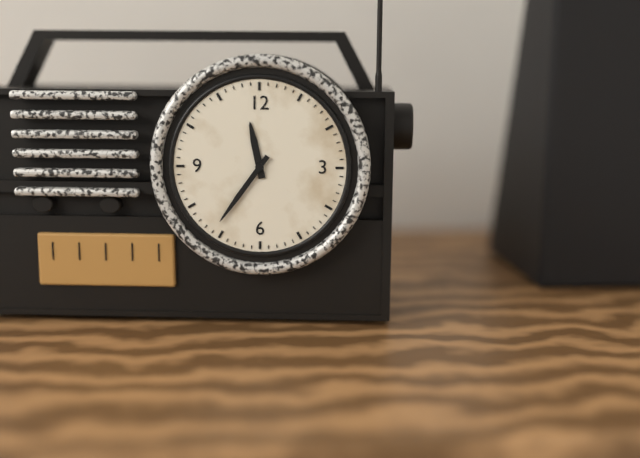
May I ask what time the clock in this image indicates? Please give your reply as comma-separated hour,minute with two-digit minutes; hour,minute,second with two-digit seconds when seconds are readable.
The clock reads 11,36
